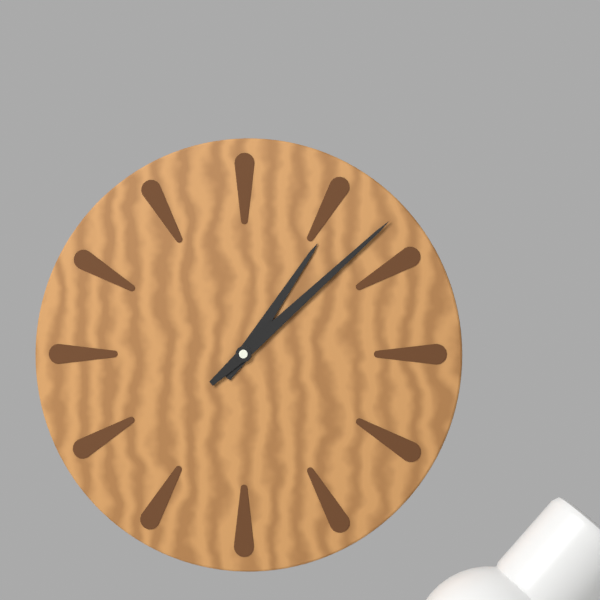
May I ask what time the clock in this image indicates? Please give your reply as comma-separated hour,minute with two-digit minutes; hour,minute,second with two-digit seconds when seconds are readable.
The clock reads 1,08
